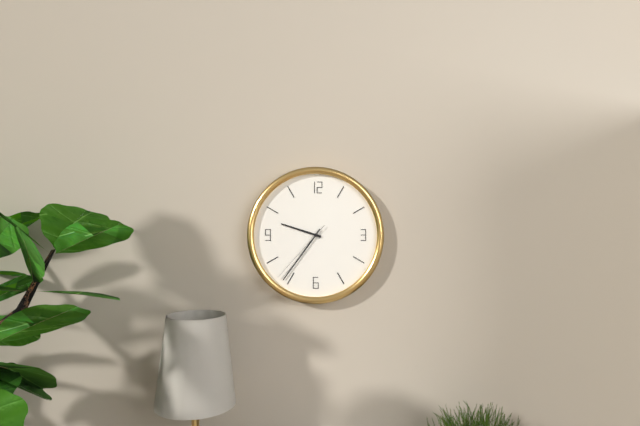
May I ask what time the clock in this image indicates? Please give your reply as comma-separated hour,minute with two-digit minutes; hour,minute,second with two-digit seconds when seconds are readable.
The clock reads 9,36,37
